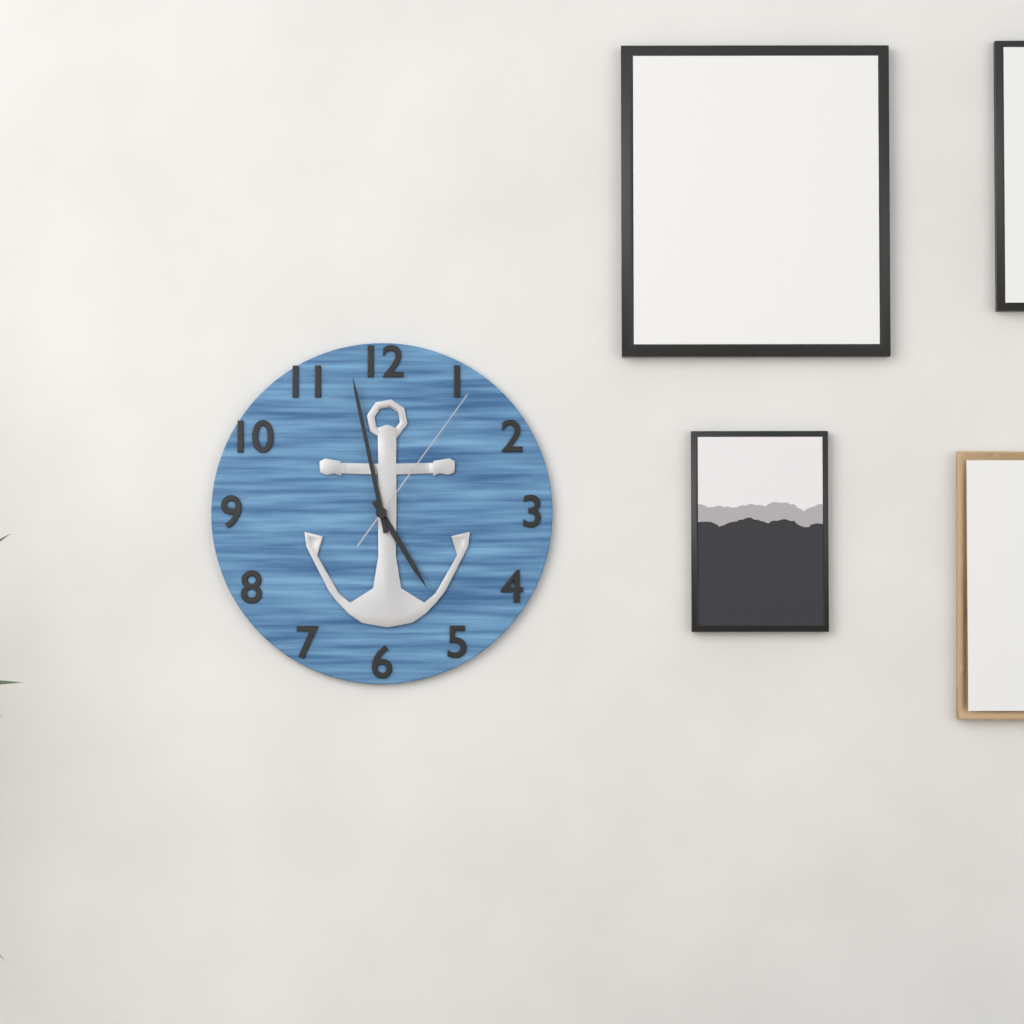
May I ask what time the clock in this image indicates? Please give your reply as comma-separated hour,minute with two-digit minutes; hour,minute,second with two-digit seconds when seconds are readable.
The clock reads 4,58,06
